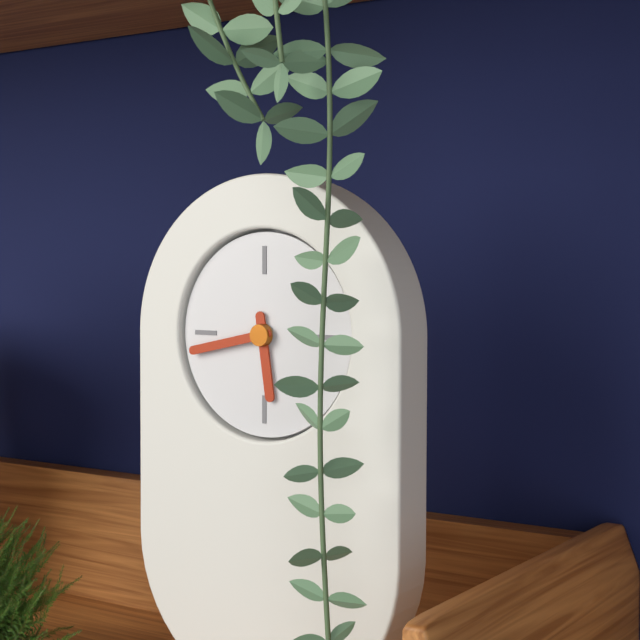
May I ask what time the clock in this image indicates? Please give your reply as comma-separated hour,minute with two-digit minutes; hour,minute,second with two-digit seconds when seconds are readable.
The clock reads 5,43
